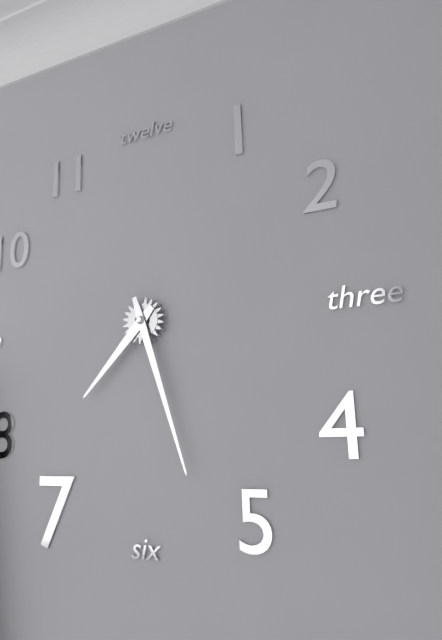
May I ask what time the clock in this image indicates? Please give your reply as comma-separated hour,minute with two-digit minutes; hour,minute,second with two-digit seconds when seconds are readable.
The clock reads 7,27
